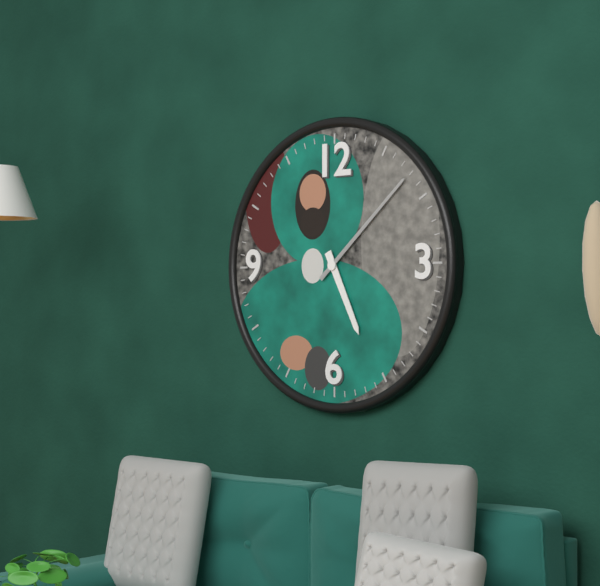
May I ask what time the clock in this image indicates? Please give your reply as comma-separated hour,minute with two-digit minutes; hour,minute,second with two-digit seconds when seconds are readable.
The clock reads 5,08
